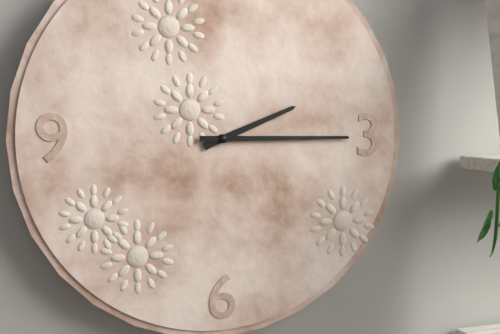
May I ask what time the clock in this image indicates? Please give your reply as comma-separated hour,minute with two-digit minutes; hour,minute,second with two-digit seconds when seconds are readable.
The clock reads 2,15
